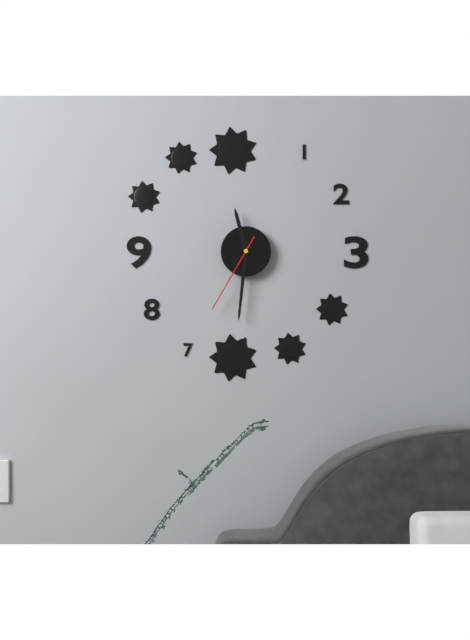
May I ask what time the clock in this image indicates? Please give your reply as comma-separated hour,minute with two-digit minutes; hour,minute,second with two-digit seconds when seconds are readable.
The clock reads 11,31,35
